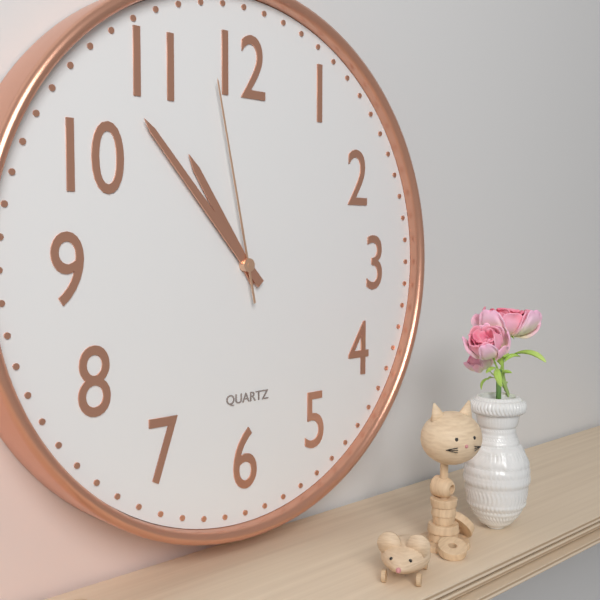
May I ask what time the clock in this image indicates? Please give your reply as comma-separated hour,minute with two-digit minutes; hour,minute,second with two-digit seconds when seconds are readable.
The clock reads 10,53,58
